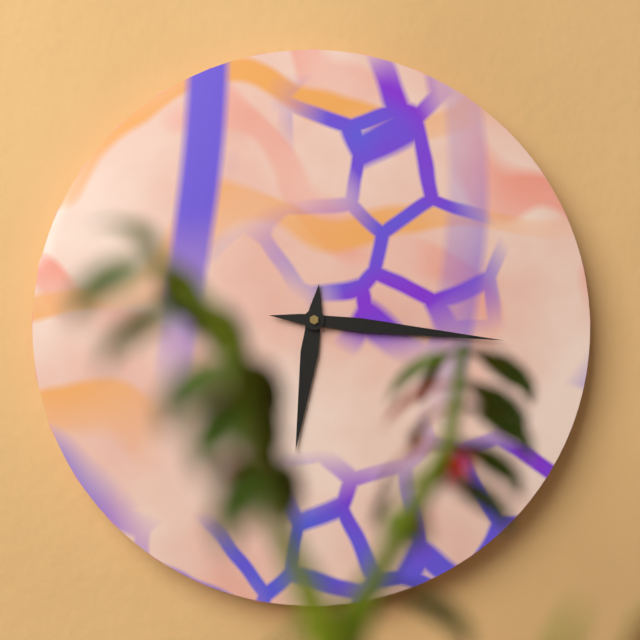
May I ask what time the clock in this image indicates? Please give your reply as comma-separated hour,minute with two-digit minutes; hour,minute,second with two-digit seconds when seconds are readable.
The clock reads 6,16
